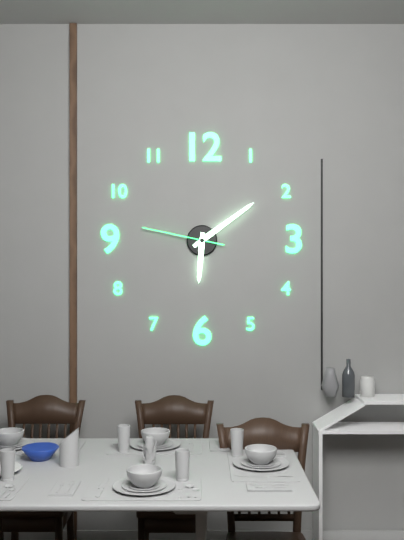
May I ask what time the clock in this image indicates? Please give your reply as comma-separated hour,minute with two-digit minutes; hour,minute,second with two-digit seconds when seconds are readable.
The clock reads 6,09,47
